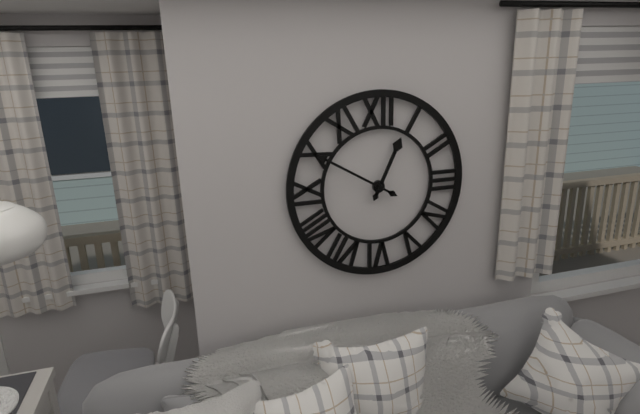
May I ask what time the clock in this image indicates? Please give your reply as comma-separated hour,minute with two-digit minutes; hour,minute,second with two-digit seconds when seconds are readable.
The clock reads 12,50
